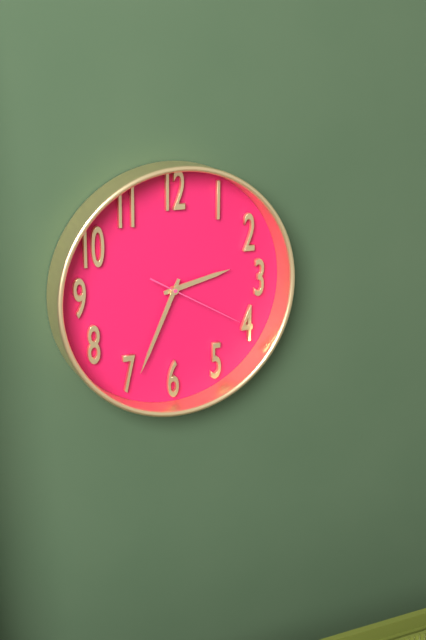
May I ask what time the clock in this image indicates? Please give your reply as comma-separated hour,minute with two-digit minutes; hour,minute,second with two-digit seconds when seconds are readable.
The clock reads 2,34,20
